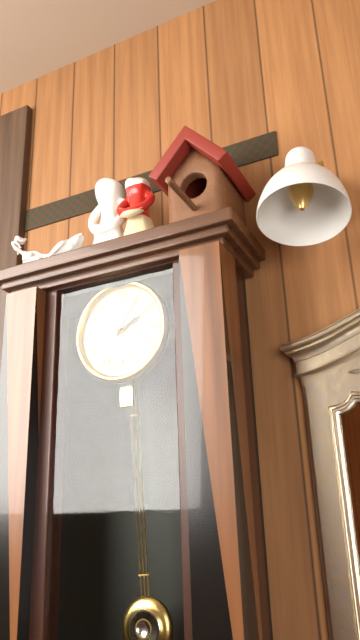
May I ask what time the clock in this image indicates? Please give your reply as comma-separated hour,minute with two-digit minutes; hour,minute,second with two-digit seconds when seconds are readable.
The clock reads 2,05
